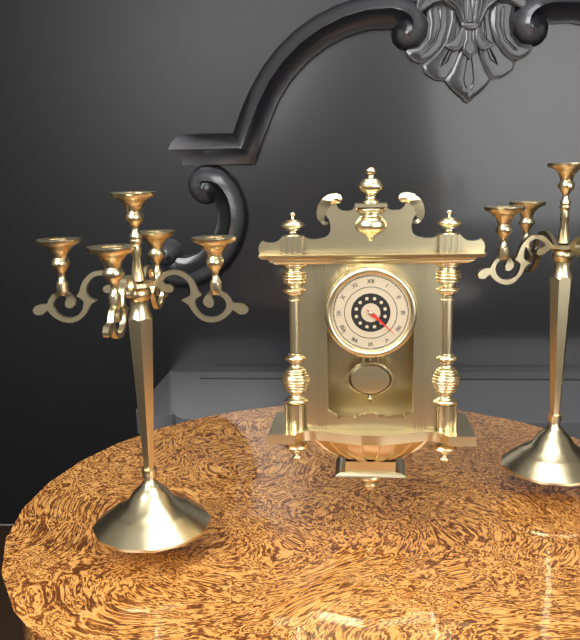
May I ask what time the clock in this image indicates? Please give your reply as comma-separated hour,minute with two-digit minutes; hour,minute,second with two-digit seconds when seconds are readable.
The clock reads 4,22
